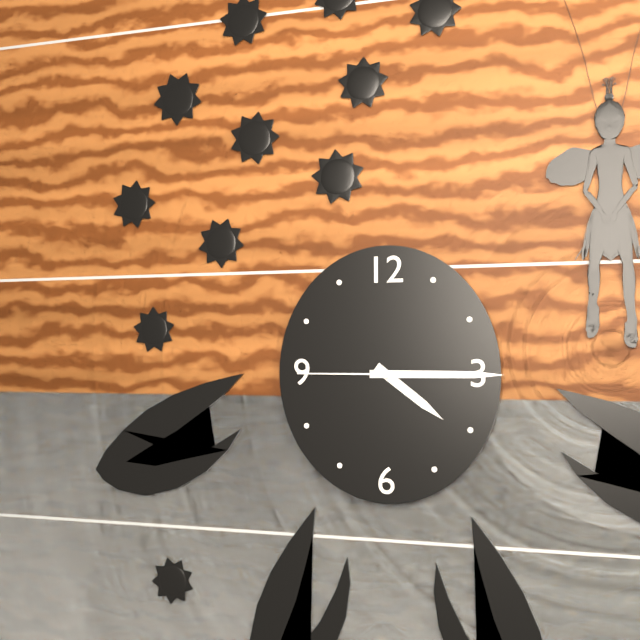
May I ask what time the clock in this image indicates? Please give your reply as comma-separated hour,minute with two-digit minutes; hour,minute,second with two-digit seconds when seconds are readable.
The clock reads 4,15,45
